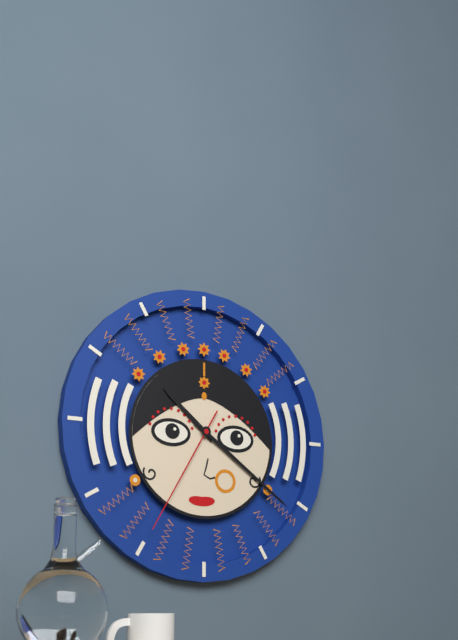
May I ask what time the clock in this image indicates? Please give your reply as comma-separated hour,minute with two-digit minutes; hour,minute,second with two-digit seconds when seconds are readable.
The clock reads 10,21,35
